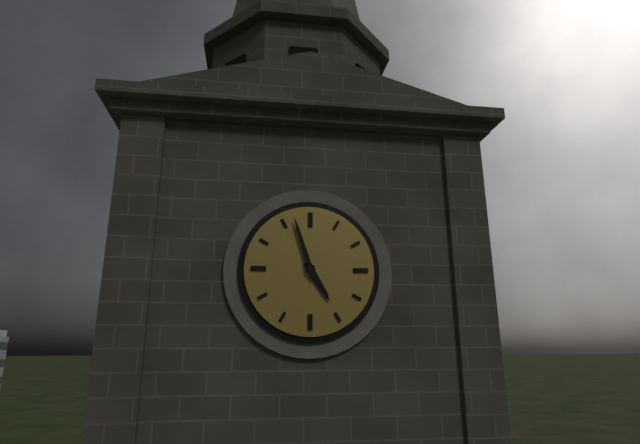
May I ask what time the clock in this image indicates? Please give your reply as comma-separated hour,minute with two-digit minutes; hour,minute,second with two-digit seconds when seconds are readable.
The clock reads 4,57
